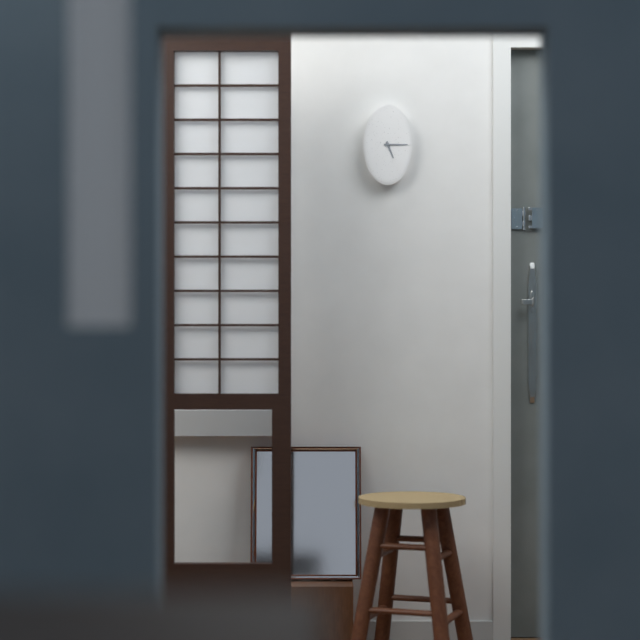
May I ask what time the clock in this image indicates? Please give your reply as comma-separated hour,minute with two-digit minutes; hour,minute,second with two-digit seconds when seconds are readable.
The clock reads 5,15
